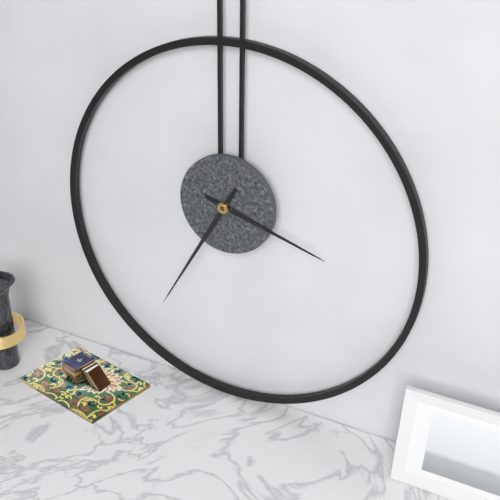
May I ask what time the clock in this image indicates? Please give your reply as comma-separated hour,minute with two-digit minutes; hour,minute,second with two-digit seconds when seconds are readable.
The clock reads 3,35
